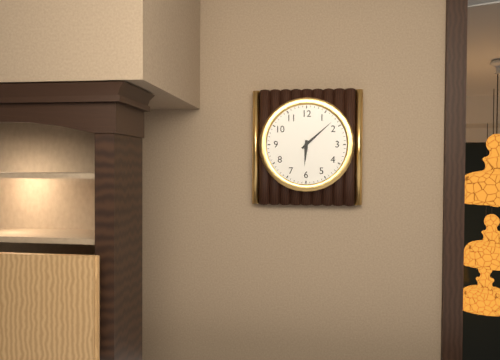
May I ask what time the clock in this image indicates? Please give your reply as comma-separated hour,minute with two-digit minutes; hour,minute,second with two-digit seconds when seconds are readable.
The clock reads 6,08
